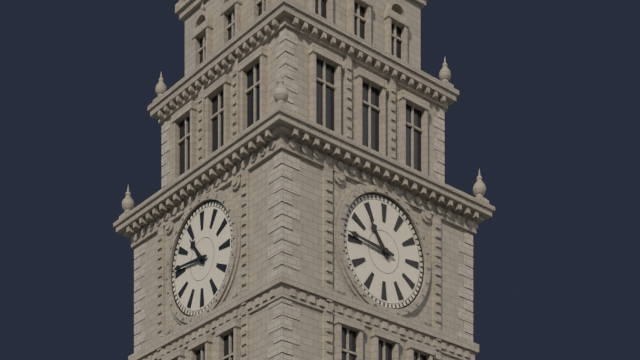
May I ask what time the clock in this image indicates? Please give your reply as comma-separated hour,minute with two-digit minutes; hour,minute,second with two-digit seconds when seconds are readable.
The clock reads 10,46
